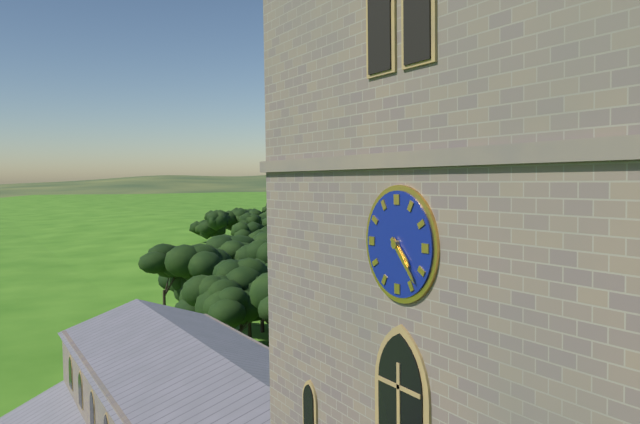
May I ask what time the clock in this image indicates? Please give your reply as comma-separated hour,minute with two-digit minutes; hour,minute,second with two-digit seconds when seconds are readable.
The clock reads 4,23
